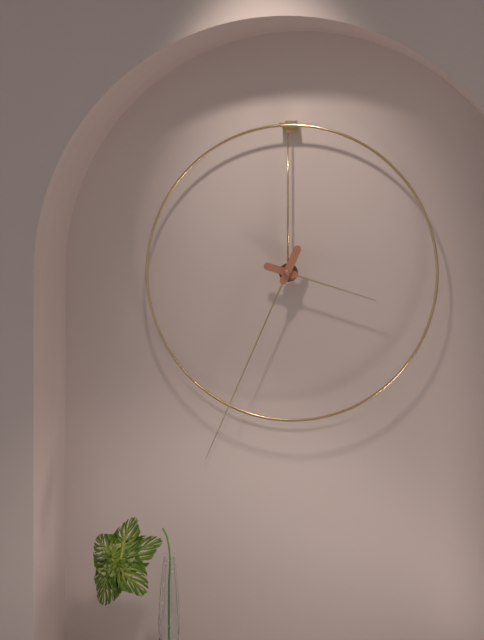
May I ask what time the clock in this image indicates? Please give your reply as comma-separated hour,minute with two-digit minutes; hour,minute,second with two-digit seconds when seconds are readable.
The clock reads 3,34
